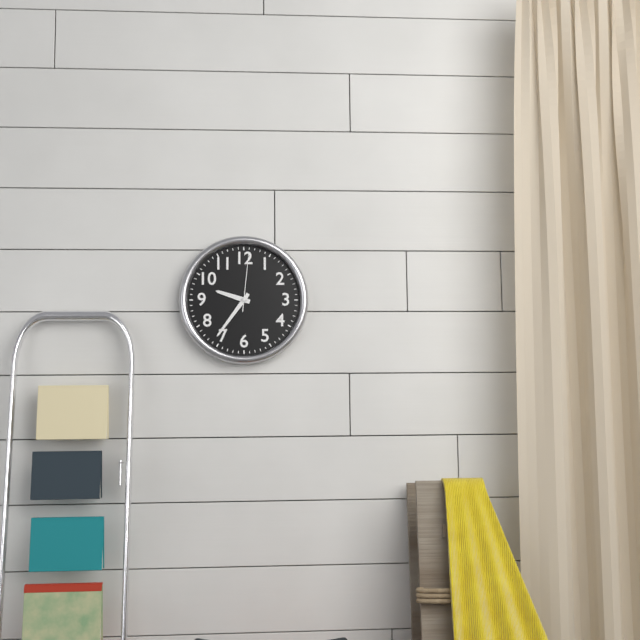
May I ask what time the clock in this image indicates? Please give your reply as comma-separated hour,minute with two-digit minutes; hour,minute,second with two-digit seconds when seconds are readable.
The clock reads 9,36,01
